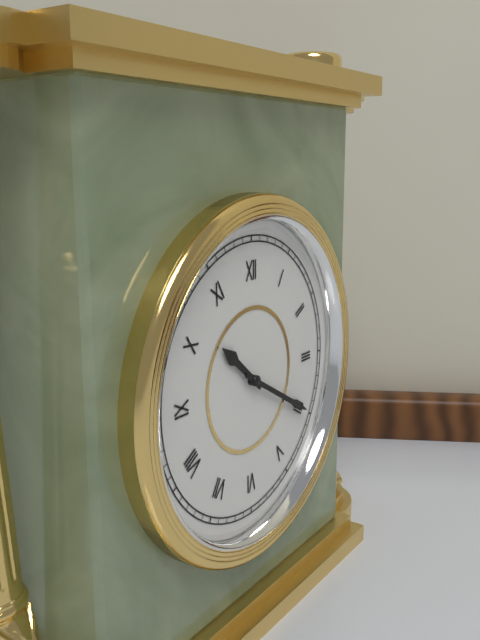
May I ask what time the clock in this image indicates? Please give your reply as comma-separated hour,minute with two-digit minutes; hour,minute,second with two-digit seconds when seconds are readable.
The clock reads 10,20
